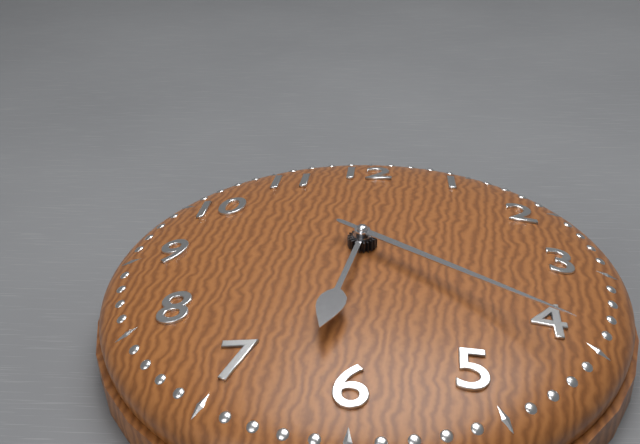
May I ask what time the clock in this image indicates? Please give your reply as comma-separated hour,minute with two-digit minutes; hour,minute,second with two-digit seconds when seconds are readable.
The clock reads 6,21
